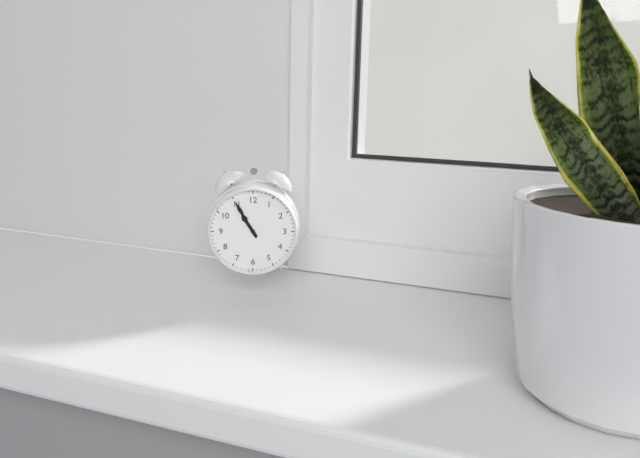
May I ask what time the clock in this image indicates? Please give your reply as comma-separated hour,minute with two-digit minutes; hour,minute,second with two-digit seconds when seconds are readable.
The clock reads 10,55
